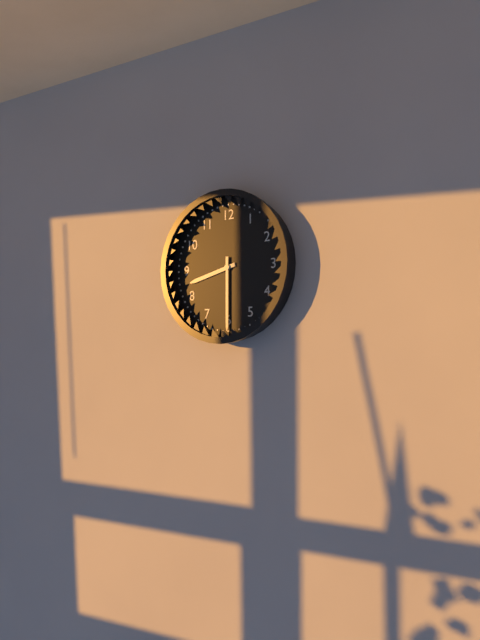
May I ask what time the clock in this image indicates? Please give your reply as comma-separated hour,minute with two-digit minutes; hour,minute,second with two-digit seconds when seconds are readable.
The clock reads 8,30
